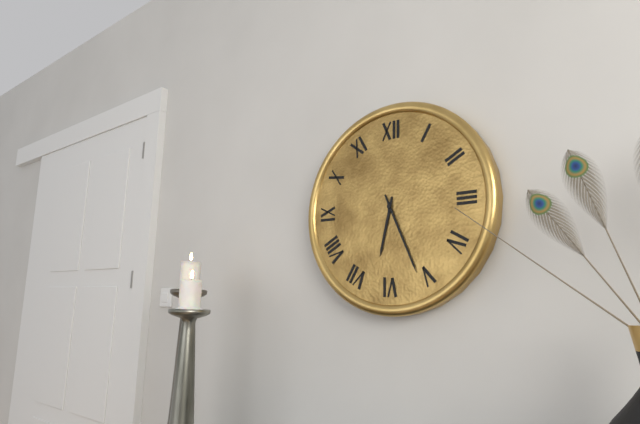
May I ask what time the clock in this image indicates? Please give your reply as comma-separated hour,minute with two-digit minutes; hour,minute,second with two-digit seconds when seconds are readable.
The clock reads 6,26
